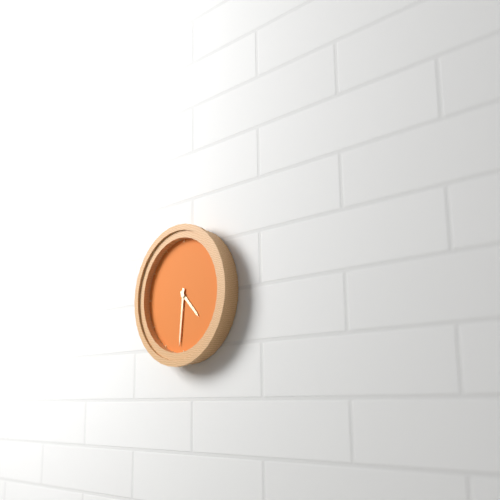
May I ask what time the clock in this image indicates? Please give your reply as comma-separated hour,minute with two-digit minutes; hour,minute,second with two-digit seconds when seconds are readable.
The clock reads 4,31
